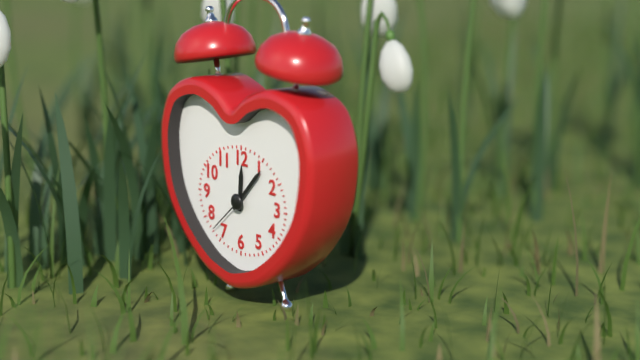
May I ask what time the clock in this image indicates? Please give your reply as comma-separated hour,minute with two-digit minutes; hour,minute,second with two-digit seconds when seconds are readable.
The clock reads 12,07
